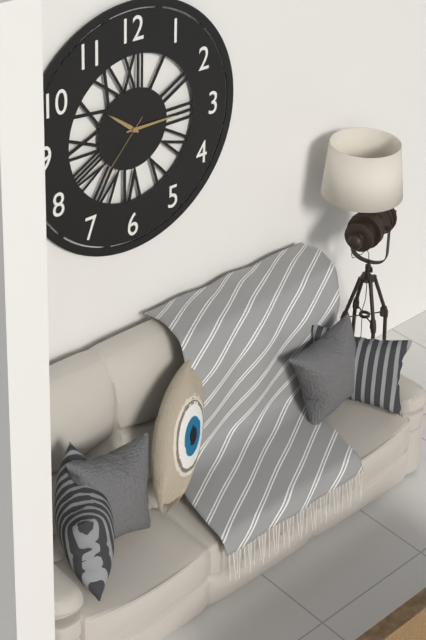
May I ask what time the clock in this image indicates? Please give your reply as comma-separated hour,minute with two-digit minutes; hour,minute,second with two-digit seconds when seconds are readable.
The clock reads 10,15,37
